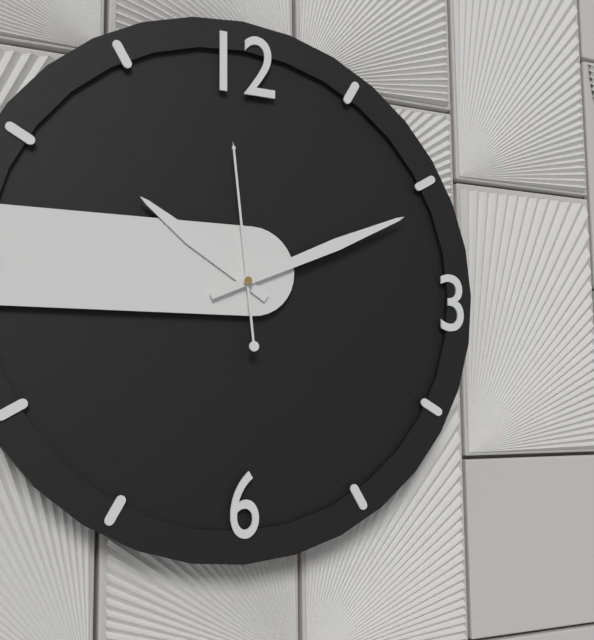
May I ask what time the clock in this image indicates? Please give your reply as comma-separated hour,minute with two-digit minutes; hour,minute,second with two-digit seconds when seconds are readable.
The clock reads 10,11,59
